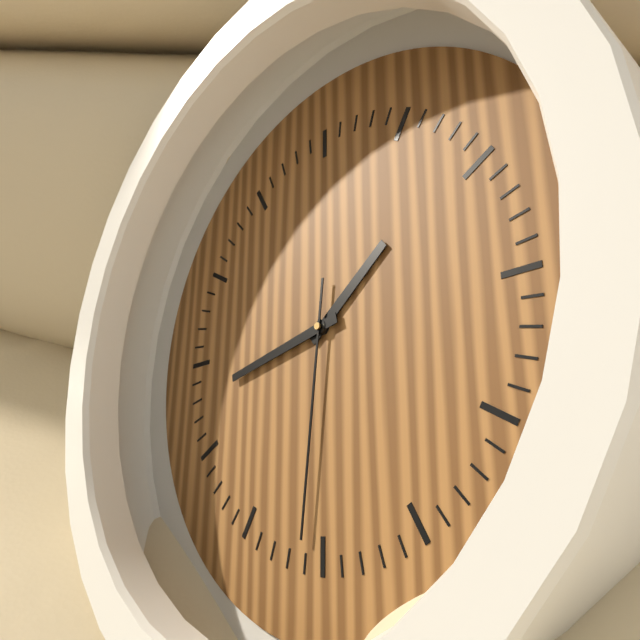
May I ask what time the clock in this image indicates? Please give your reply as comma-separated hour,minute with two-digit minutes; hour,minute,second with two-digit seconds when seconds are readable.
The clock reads 1,43,31
